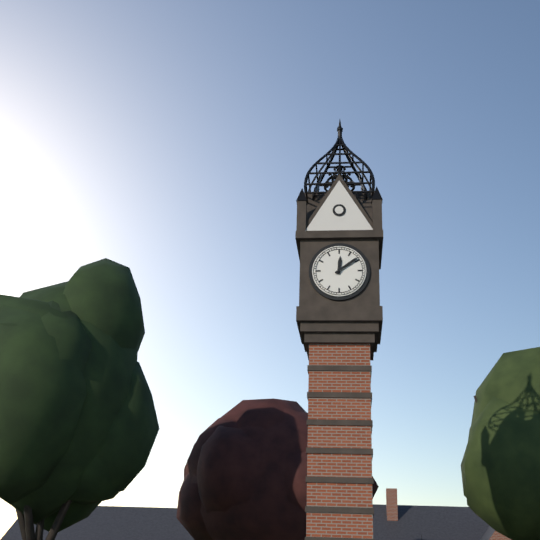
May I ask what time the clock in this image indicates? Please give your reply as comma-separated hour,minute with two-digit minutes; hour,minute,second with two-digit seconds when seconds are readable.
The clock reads 12,09
